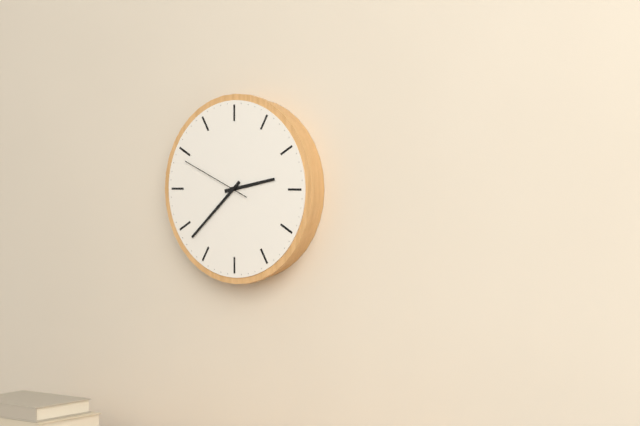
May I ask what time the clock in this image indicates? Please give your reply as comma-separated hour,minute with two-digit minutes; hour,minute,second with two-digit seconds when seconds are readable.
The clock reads 2,38,49
